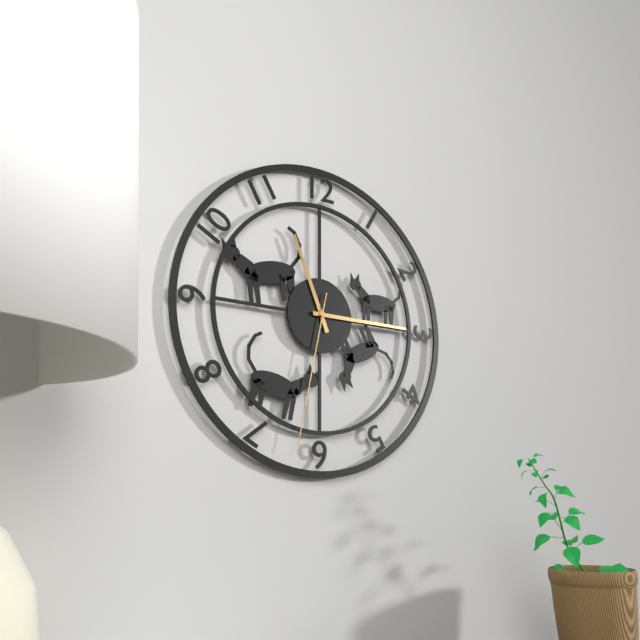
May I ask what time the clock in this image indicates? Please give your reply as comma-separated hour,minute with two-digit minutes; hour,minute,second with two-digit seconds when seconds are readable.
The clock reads 11,15,32
